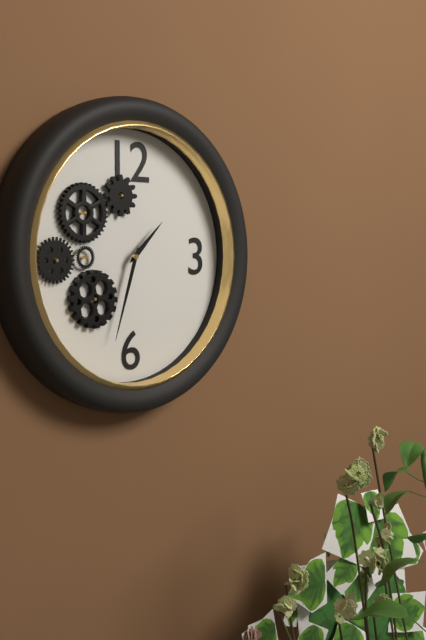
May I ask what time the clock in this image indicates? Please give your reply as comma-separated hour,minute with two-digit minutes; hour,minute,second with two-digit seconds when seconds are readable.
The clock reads 1,33
